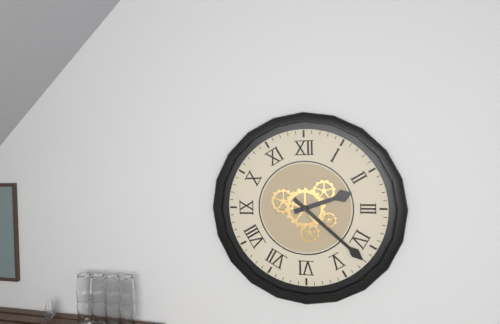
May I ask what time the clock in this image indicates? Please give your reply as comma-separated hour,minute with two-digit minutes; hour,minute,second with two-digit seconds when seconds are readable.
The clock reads 2,22
